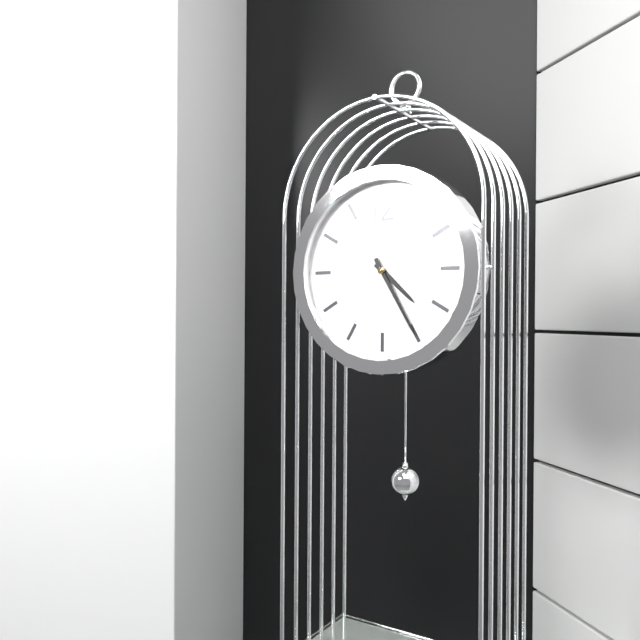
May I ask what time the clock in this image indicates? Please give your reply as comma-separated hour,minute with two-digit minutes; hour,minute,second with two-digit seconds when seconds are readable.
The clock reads 4,25
